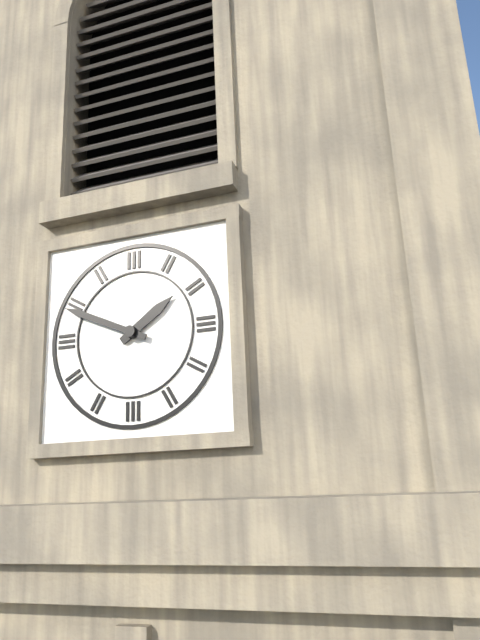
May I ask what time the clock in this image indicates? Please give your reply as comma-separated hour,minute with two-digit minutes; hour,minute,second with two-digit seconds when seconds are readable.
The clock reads 1,49
